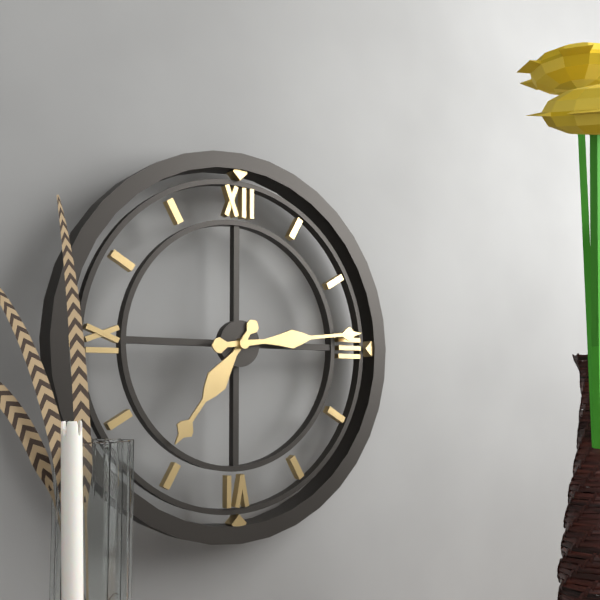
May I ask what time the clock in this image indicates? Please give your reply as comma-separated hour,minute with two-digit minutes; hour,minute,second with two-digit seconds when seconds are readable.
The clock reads 7,14
